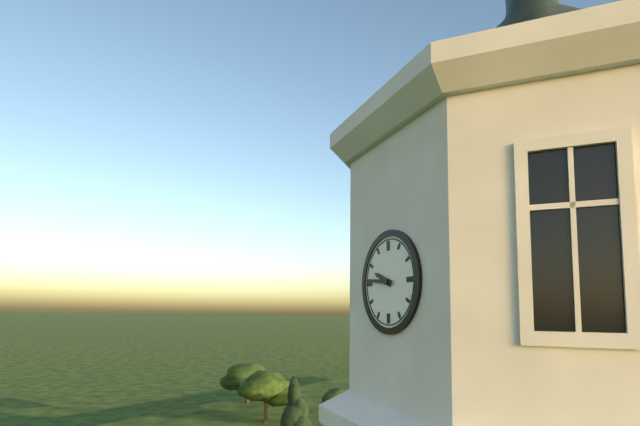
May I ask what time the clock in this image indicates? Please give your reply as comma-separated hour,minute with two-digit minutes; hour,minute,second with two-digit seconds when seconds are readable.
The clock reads 9,46
